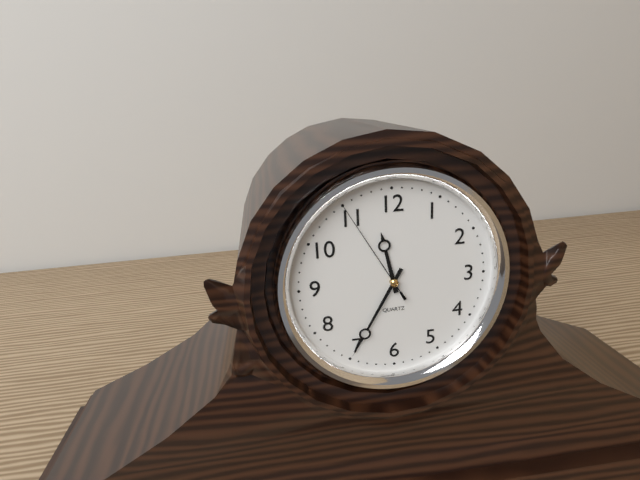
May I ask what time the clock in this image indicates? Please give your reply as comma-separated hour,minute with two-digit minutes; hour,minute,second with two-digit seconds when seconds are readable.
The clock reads 11,35,55
